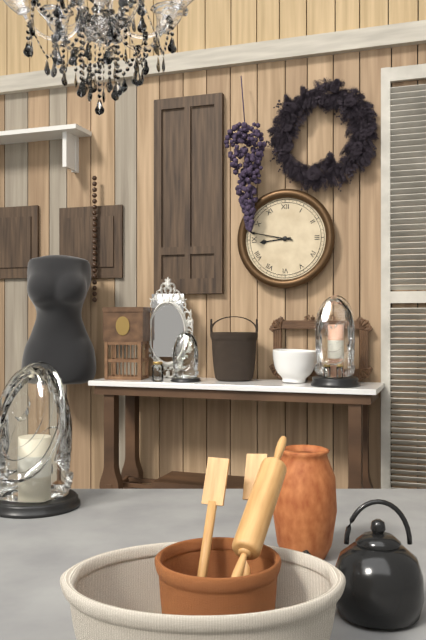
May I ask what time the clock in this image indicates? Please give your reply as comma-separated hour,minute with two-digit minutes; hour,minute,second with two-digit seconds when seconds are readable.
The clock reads 8,47
